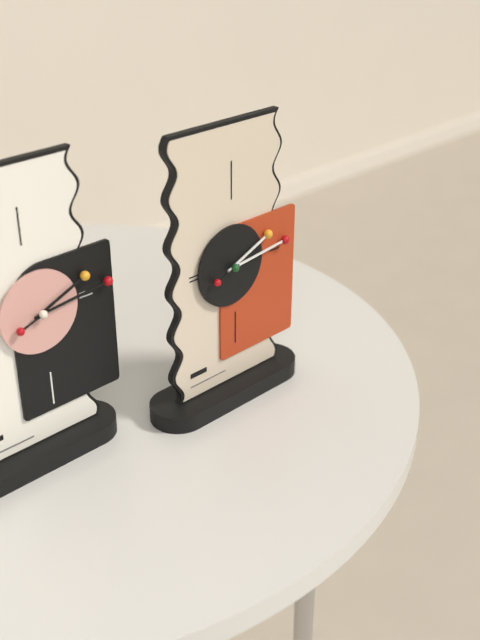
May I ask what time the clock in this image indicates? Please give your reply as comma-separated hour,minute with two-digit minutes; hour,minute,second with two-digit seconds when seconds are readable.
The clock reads 2,14
